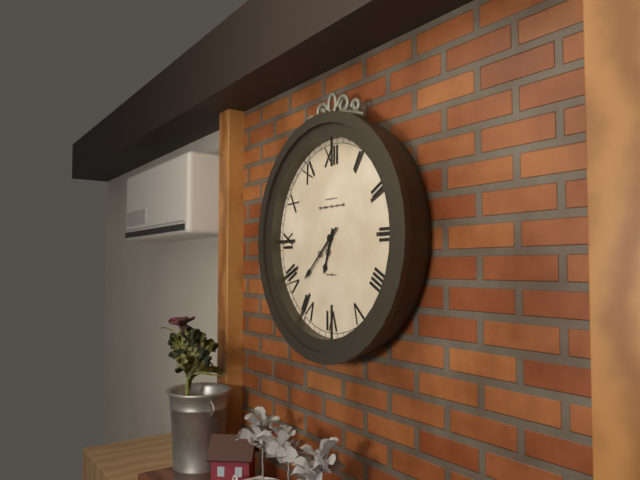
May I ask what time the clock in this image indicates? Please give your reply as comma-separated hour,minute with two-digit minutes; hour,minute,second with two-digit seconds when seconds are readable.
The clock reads 6,38
